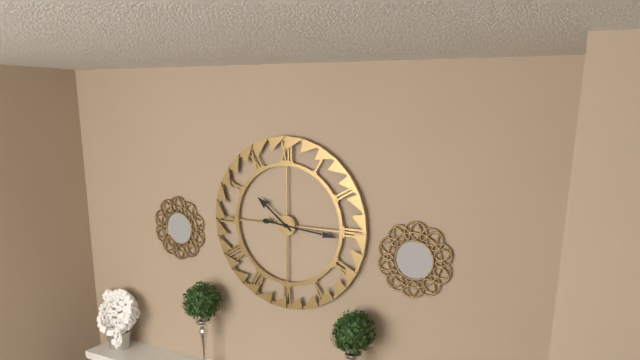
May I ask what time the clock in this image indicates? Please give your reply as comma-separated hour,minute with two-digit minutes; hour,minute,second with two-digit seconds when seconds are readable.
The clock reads 10,16
